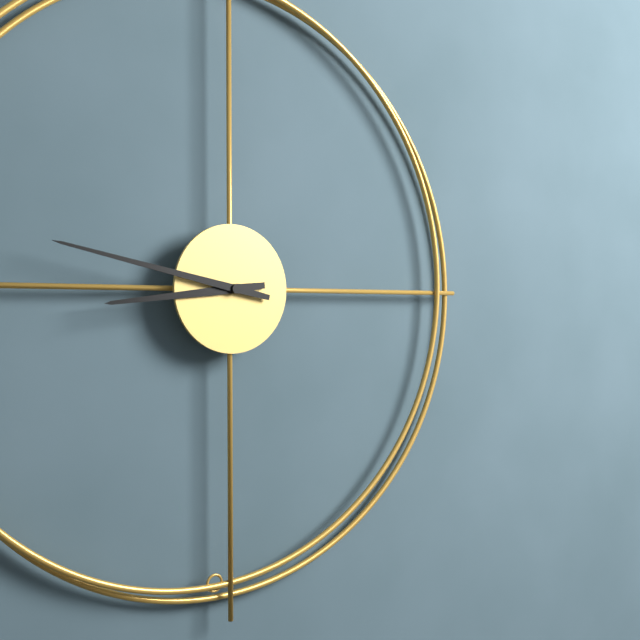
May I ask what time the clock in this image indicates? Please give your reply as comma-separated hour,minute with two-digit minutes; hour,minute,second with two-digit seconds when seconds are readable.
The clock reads 8,47
